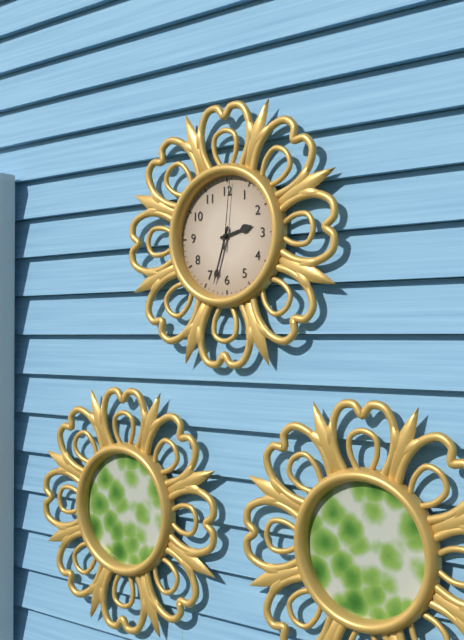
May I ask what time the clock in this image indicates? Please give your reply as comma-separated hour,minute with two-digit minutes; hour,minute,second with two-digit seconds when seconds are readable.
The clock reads 2,33,01
